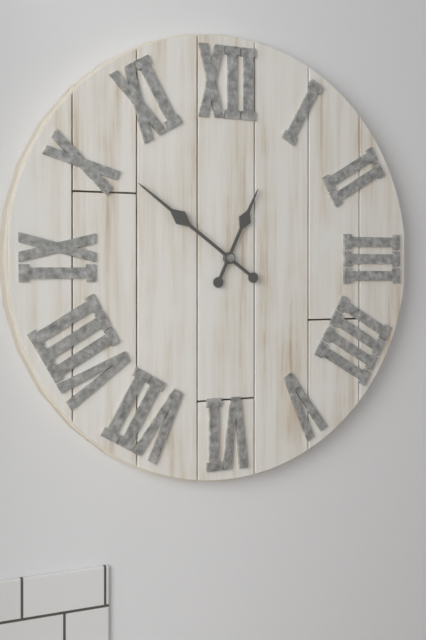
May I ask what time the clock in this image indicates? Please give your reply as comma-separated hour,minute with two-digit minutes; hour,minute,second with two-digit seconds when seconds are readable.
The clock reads 12,51
